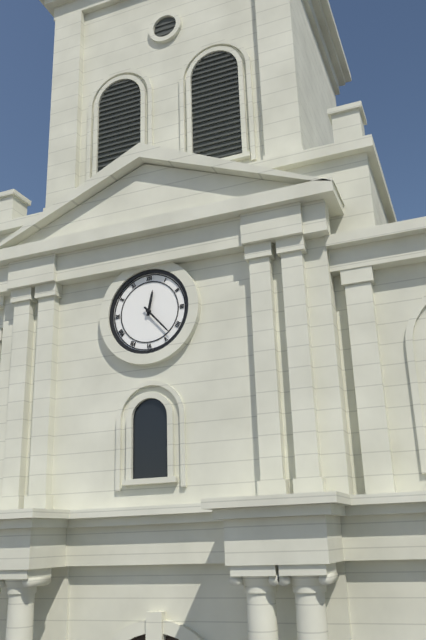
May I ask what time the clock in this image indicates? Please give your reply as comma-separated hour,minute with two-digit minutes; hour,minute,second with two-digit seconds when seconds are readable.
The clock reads 12,23
